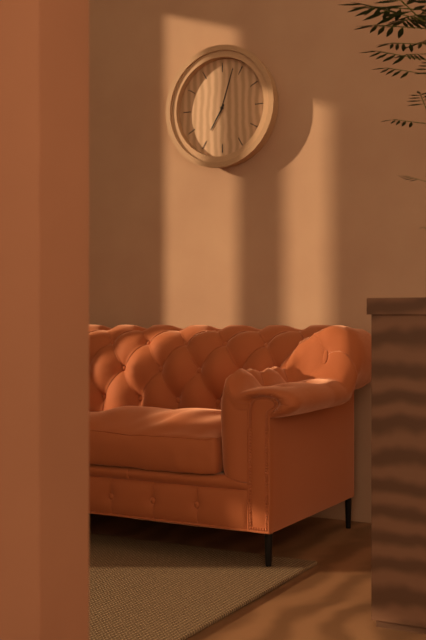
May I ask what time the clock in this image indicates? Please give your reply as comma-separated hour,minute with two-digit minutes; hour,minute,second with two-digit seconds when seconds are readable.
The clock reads 7,03
